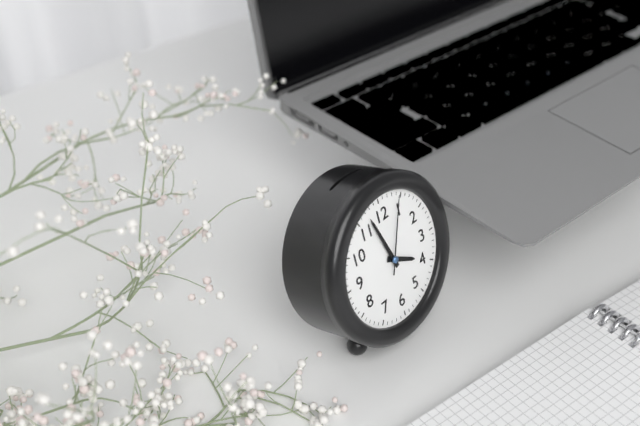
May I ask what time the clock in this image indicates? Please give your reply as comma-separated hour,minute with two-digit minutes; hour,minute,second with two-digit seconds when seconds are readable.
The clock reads 3,57,04
